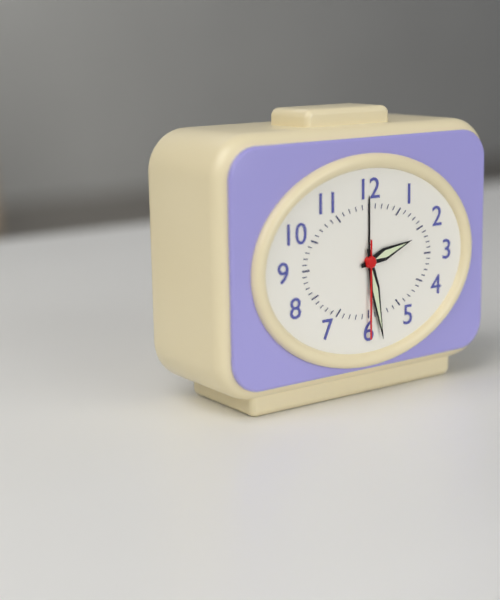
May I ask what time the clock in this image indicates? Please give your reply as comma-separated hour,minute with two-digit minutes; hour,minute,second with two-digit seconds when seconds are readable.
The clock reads 2,28,30
